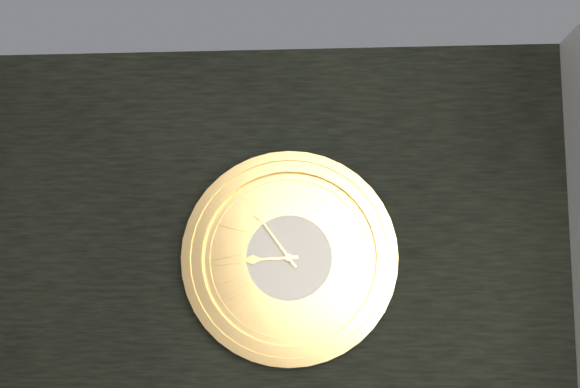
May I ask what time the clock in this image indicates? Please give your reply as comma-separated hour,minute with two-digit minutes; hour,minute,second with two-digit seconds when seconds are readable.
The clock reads 8,54
